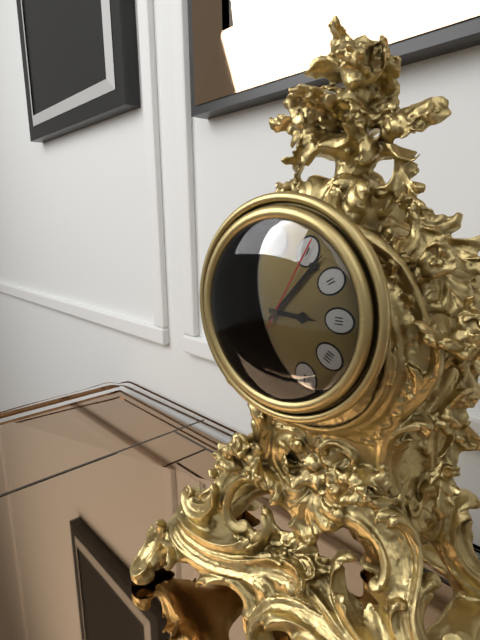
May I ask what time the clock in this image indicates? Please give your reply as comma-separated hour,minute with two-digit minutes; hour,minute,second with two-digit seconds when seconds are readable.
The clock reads 3,07,05
